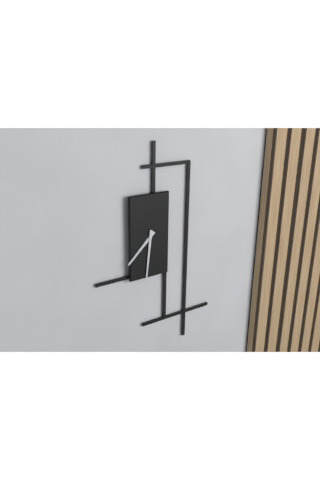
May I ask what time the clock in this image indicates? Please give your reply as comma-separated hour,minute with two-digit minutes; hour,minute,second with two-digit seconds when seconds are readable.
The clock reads 7,31
